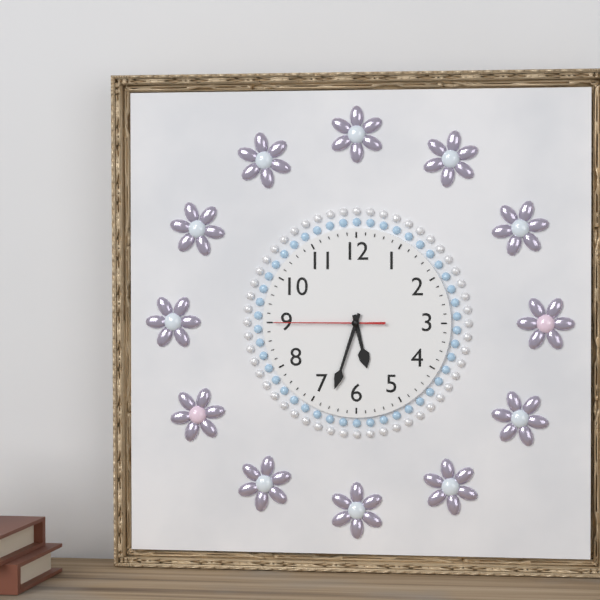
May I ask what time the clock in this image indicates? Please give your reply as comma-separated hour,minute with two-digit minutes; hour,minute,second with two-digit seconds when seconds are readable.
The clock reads 5,33,45
